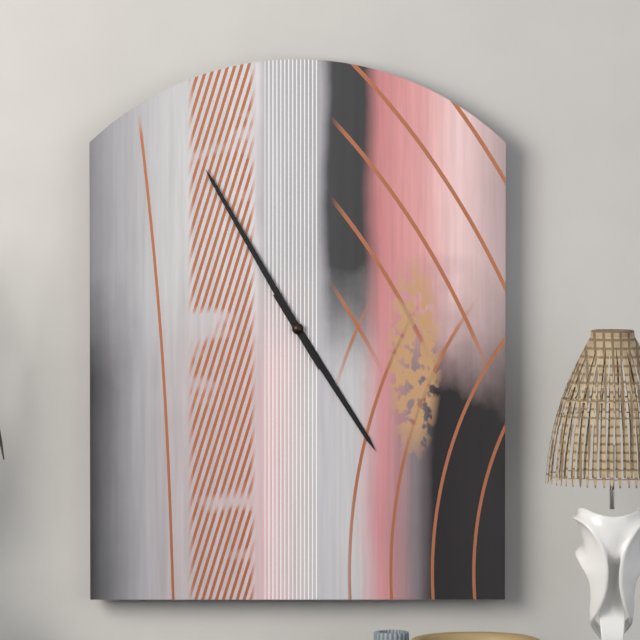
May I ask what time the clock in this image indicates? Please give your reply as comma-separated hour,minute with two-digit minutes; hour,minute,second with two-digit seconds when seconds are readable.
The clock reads 4,55
